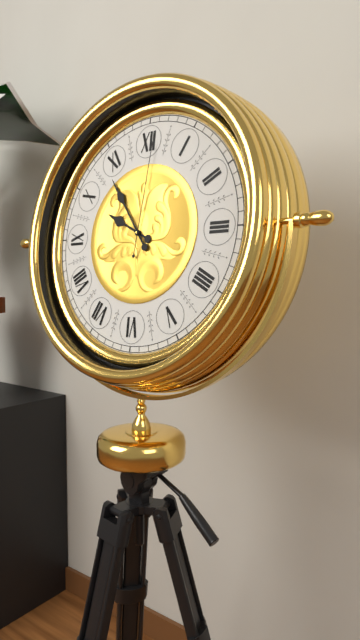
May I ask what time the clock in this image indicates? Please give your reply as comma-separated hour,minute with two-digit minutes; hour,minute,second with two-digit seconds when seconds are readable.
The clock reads 9,54,01
